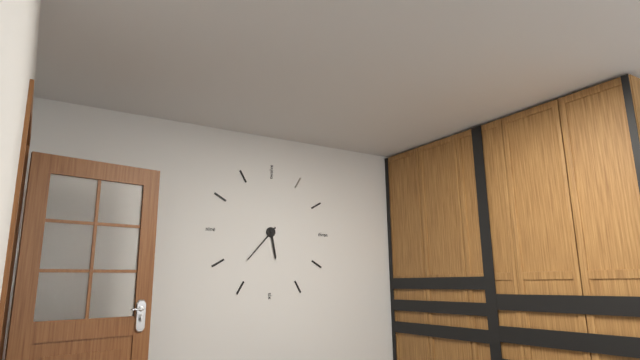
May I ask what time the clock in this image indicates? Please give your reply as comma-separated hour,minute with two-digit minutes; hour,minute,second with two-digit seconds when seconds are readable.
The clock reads 5,37
